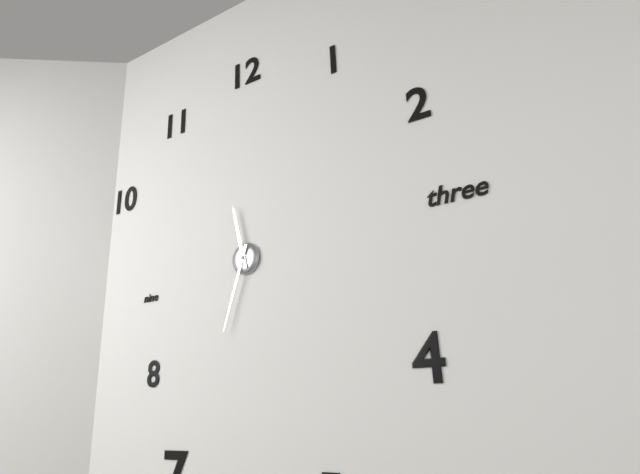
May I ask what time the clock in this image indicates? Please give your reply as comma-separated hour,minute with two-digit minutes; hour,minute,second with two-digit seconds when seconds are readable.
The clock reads 11,33
